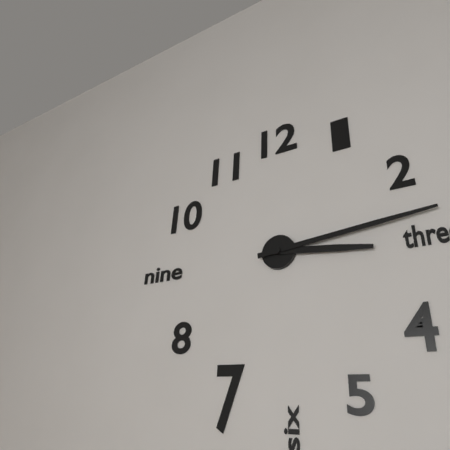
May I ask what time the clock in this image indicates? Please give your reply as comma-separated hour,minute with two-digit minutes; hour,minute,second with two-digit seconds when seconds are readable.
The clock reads 3,14
